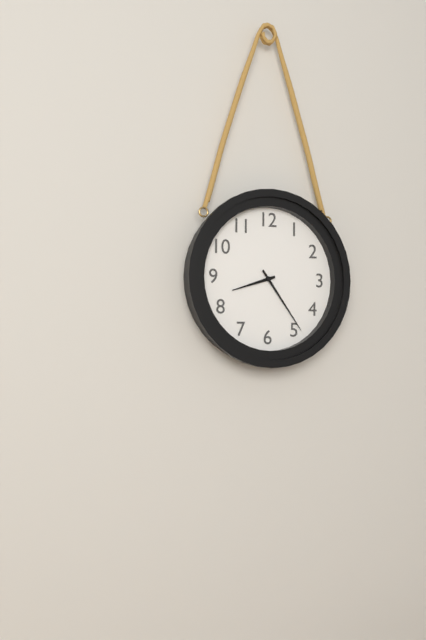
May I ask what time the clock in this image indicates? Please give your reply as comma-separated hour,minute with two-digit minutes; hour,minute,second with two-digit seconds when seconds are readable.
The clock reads 8,24
